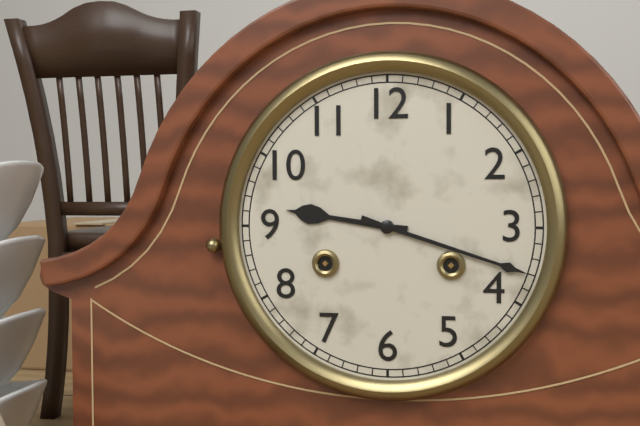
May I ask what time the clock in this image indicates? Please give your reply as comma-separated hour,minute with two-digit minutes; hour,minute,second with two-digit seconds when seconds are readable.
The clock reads 9,18
